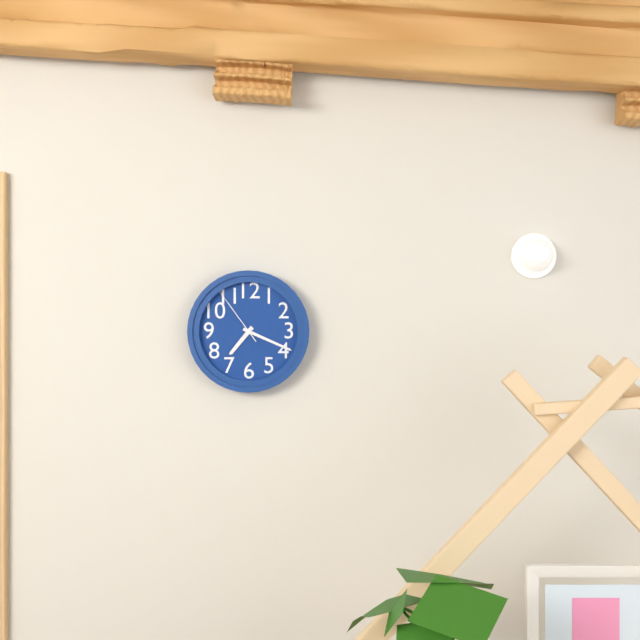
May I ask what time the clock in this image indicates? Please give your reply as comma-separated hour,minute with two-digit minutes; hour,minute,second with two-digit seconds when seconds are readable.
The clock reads 7,19,54
